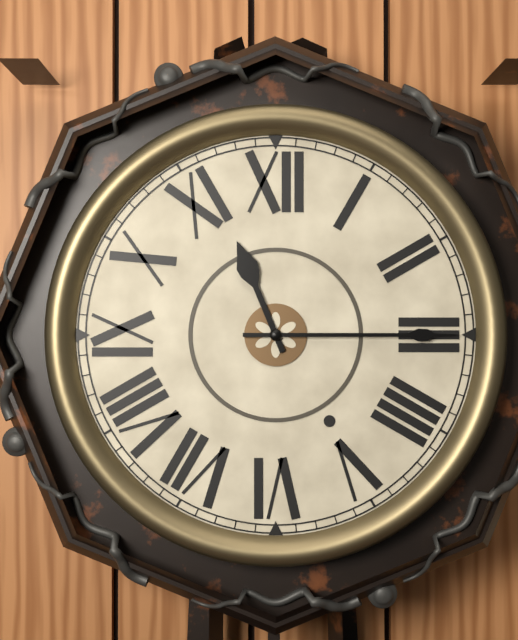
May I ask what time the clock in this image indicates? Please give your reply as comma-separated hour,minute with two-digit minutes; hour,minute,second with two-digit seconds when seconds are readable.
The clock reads 11,15
